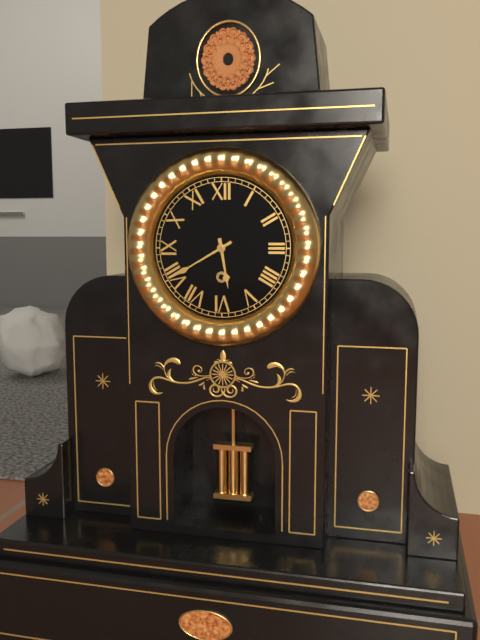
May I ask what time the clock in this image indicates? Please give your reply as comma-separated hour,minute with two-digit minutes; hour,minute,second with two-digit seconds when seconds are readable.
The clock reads 5,40
